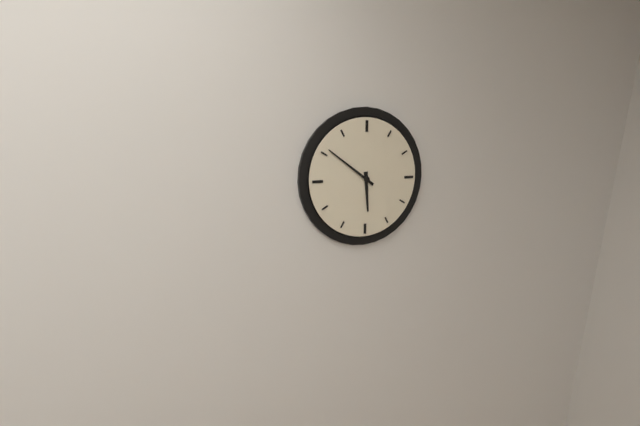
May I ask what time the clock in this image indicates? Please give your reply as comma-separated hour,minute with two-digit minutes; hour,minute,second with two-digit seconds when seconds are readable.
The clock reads 5,51
